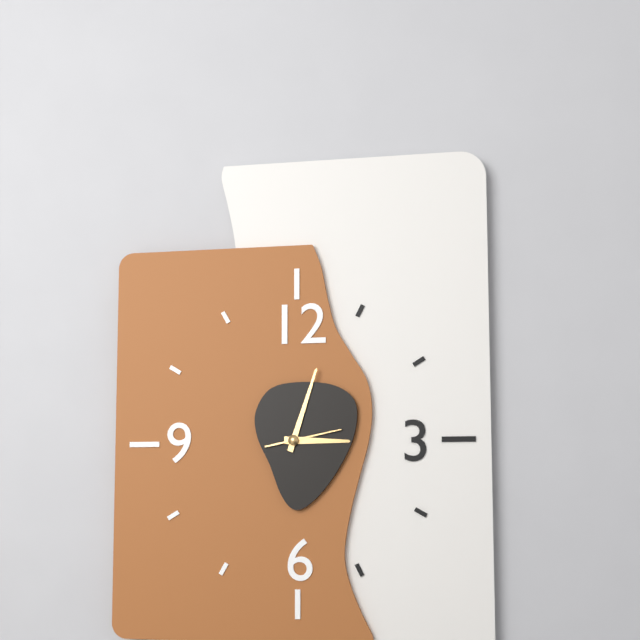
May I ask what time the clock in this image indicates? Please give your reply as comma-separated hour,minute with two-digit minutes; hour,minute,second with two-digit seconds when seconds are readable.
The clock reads 3,03,13
